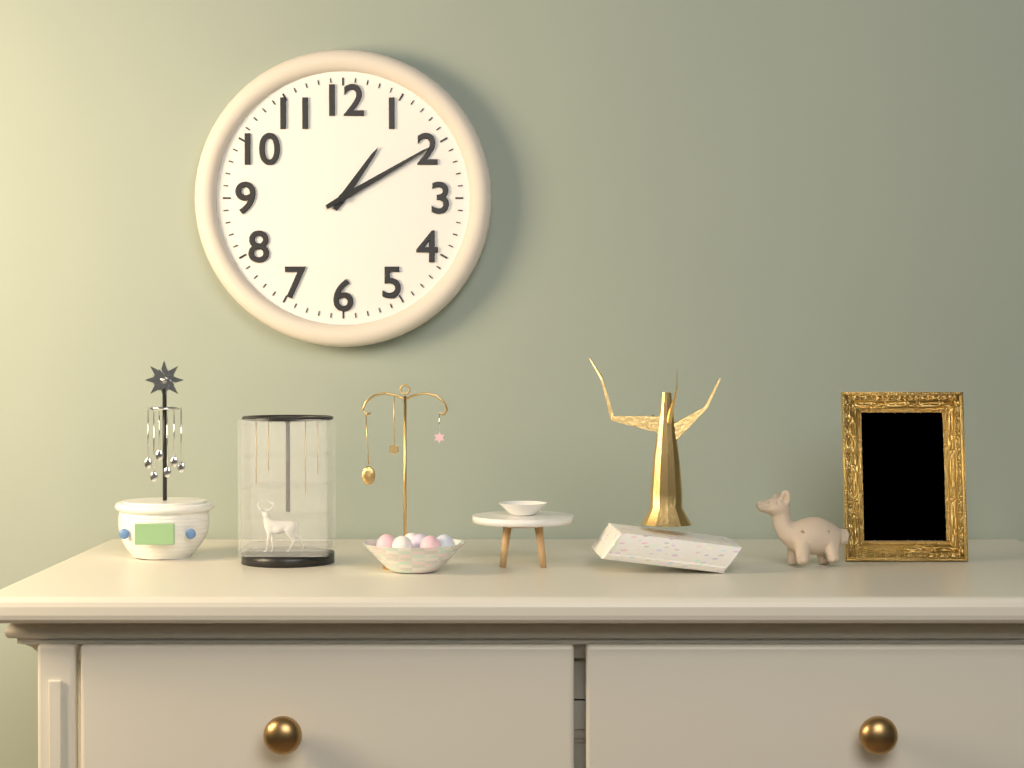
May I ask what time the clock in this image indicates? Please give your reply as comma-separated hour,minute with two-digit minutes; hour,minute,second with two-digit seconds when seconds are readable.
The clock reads 1,10
